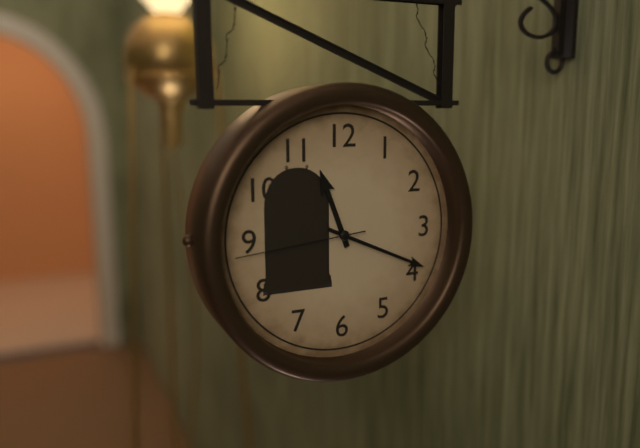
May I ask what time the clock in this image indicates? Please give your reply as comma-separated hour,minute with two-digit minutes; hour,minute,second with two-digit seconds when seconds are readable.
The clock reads 11,19,44
